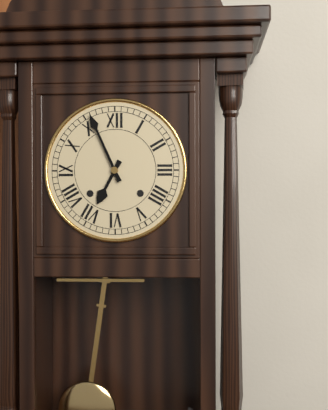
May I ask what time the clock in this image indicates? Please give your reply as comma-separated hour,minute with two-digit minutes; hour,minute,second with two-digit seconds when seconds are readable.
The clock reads 6,56
